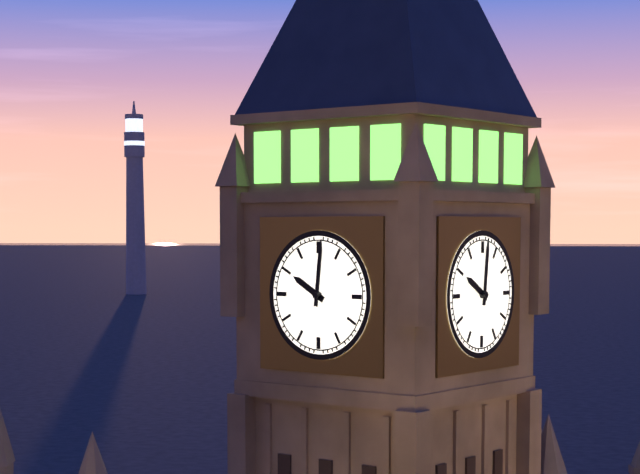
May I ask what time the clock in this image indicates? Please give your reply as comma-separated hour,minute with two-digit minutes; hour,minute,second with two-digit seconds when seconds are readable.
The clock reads 10,01
